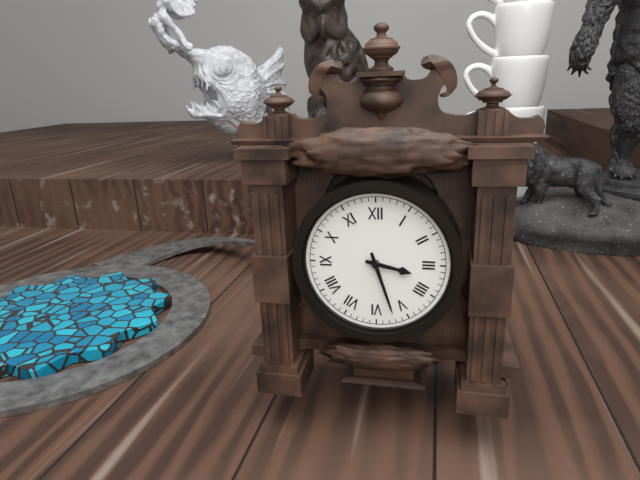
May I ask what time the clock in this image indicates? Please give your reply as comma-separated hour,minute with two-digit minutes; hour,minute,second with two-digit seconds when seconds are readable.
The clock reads 3,27
